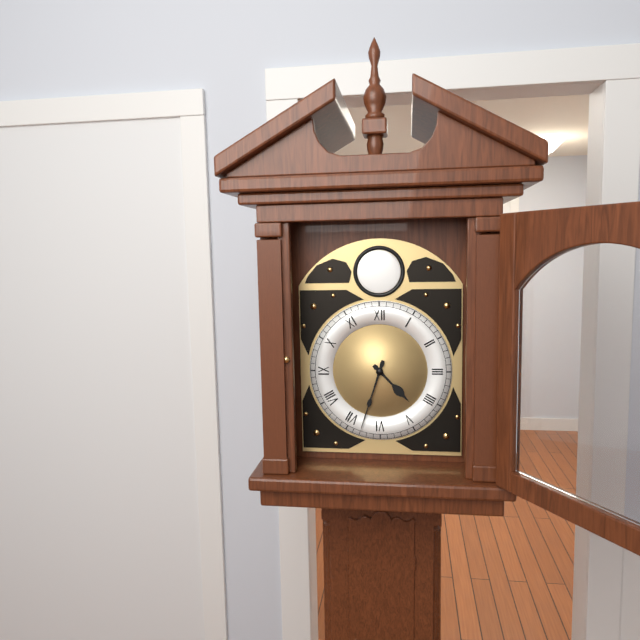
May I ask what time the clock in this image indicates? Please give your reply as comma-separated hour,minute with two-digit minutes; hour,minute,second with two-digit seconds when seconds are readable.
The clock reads 4,33
